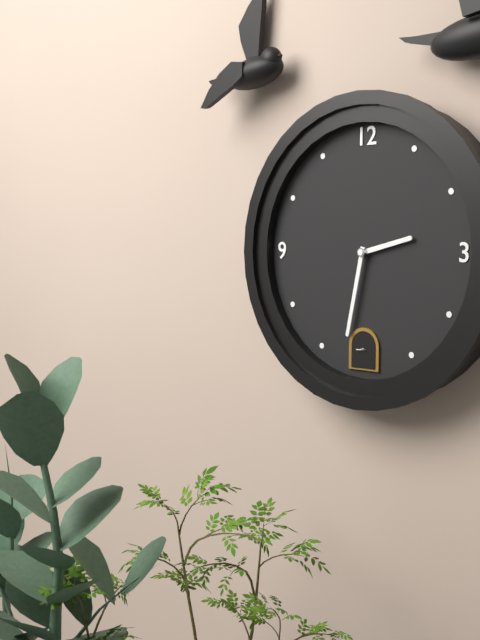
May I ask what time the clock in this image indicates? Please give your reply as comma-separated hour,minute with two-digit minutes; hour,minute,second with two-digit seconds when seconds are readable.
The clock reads 2,32
